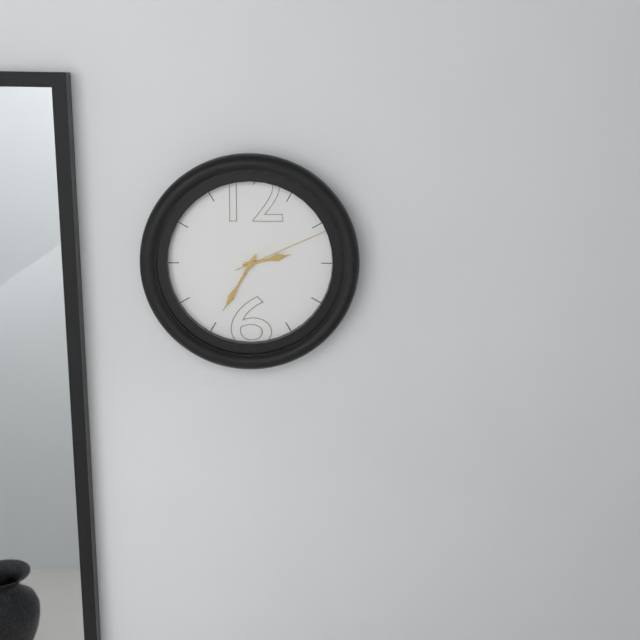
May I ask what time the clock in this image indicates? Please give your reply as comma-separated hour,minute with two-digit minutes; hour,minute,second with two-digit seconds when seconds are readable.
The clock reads 2,35,11
